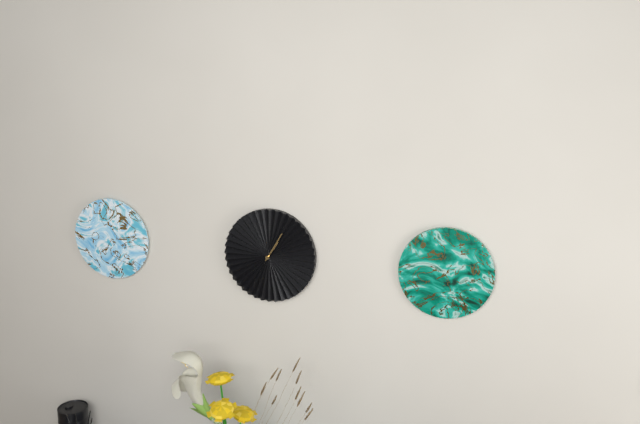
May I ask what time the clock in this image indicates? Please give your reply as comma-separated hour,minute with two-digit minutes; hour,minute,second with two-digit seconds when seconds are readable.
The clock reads 1,05
